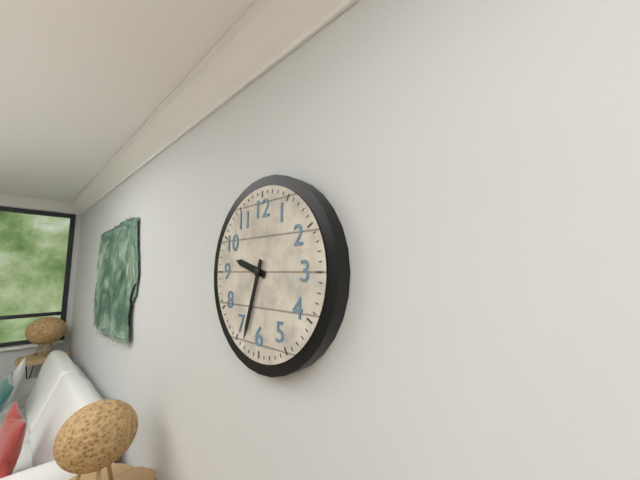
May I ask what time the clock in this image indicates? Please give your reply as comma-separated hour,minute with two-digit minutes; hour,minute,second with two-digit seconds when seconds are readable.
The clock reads 9,33
